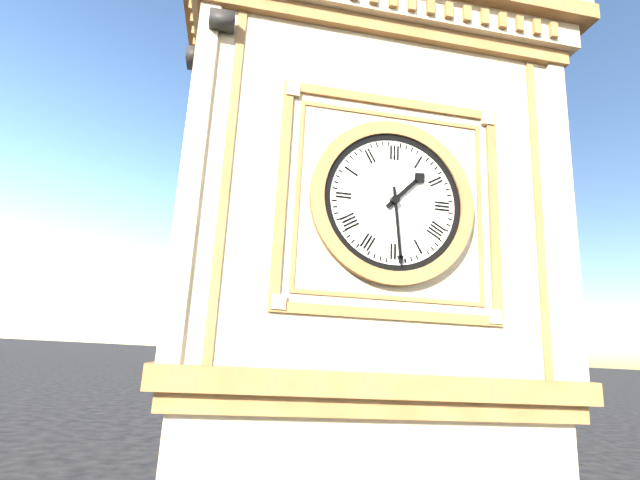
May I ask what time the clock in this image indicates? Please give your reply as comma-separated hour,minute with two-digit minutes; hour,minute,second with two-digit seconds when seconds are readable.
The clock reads 1,29
